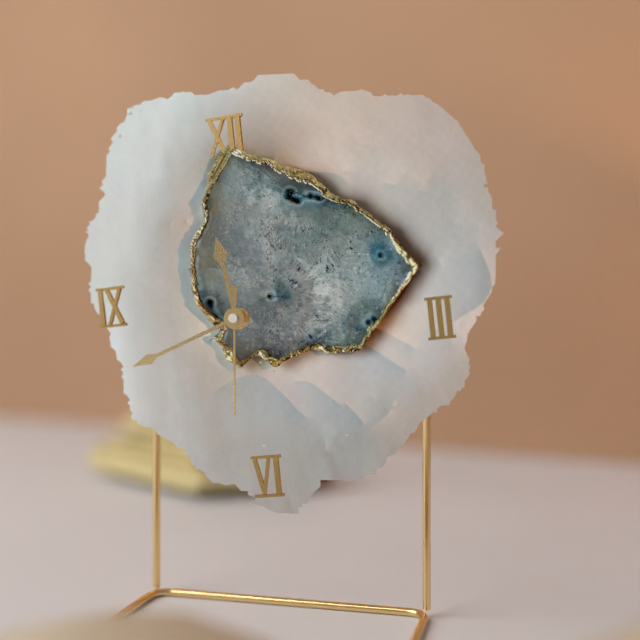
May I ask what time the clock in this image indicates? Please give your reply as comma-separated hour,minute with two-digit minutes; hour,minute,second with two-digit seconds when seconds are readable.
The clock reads 11,42,31
